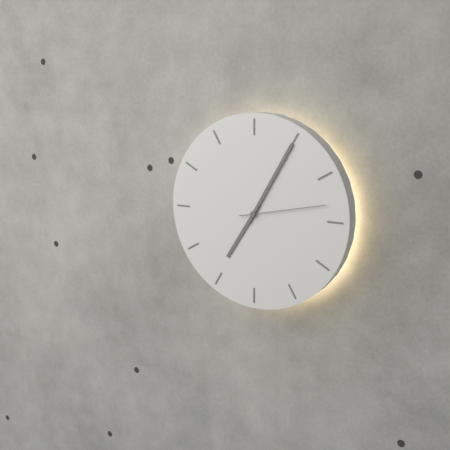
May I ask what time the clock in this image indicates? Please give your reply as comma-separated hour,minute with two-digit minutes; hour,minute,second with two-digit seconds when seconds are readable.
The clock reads 7,05,13
